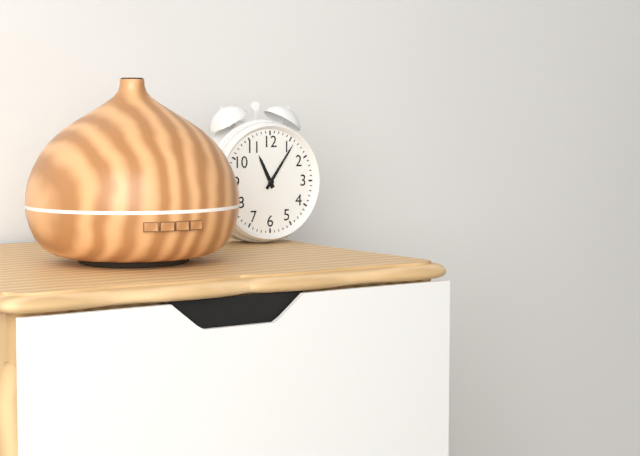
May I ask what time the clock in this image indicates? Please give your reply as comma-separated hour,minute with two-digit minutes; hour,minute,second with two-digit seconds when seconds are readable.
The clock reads 11,06
